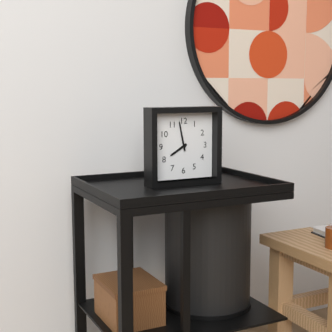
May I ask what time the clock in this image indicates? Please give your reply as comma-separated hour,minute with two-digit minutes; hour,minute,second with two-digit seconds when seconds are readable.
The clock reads 7,58
